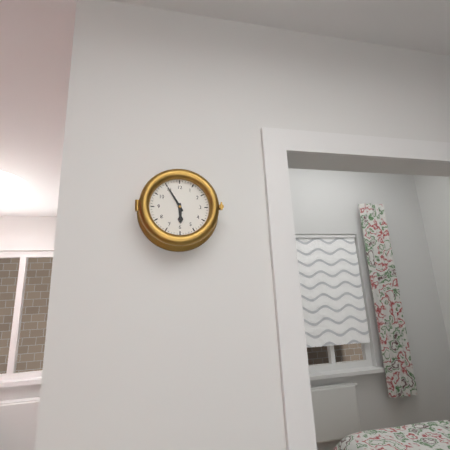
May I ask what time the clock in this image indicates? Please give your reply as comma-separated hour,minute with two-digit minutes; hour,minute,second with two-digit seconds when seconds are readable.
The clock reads 5,55
